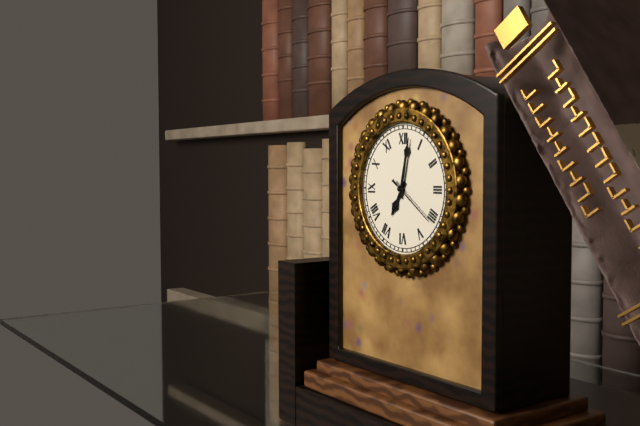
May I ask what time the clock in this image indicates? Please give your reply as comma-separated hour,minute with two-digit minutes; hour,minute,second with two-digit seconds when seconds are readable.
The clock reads 7,02,21
